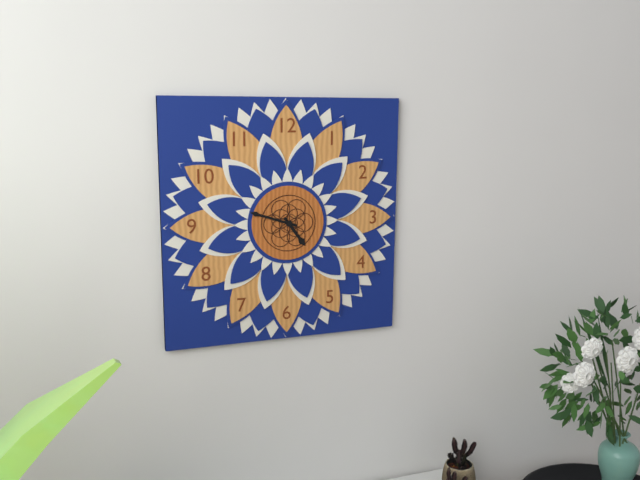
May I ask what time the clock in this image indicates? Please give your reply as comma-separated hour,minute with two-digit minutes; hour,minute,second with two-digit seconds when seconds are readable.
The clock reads 4,48
